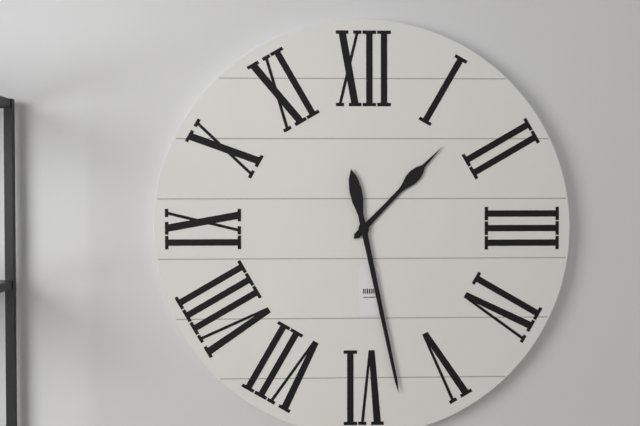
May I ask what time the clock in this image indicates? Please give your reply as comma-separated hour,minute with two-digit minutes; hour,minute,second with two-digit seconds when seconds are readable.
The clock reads 1,28
